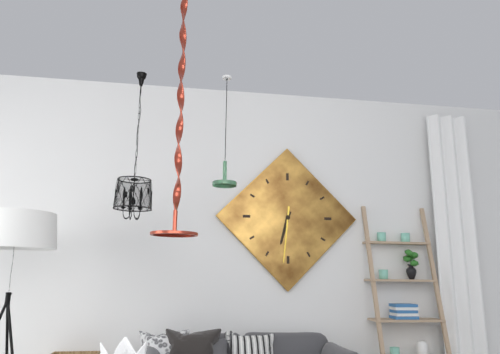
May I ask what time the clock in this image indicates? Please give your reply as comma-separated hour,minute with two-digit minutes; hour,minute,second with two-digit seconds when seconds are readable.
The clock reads 6,31
